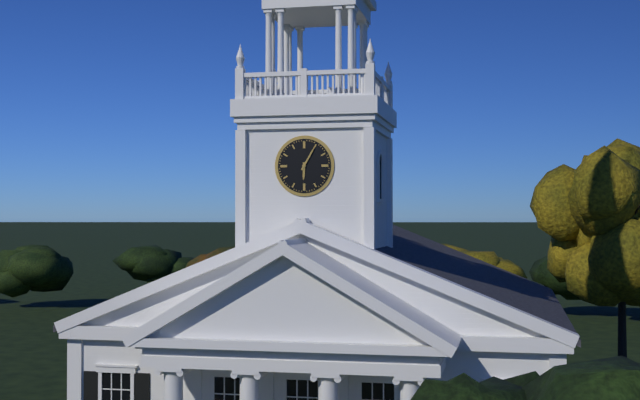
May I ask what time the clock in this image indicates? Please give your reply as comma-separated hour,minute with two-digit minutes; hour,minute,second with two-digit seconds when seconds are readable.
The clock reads 6,05
